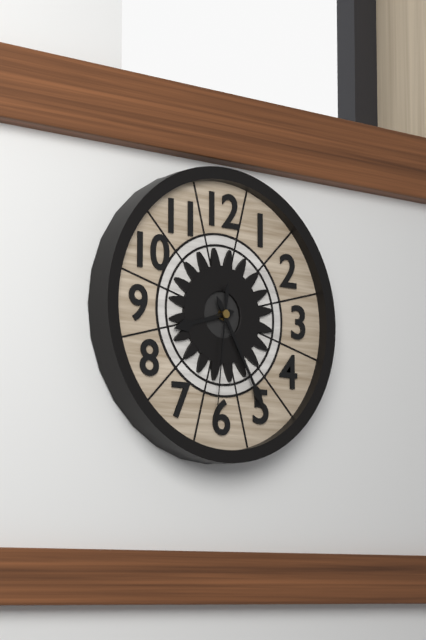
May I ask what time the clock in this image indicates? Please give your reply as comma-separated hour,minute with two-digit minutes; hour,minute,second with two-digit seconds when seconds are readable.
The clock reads 8,25,31
